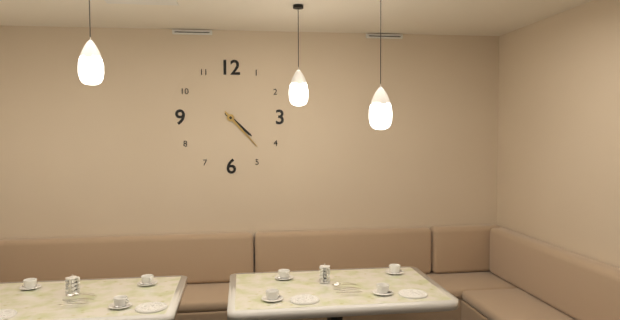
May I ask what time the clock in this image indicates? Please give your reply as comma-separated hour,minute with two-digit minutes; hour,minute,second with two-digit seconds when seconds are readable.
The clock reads 4,23
